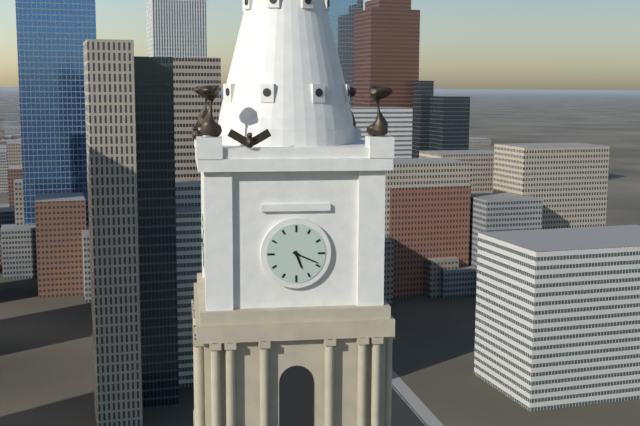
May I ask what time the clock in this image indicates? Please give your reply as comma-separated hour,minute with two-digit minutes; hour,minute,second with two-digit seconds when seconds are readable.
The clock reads 5,19
